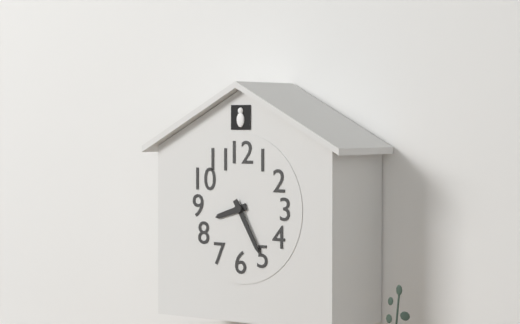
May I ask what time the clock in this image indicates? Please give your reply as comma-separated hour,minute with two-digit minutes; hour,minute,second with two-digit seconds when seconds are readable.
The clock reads 8,25
